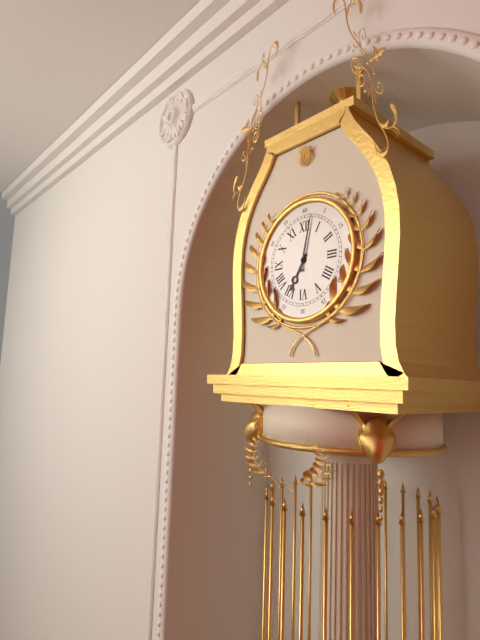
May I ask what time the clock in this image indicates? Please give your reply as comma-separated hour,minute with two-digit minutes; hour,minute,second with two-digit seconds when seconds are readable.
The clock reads 7,02
